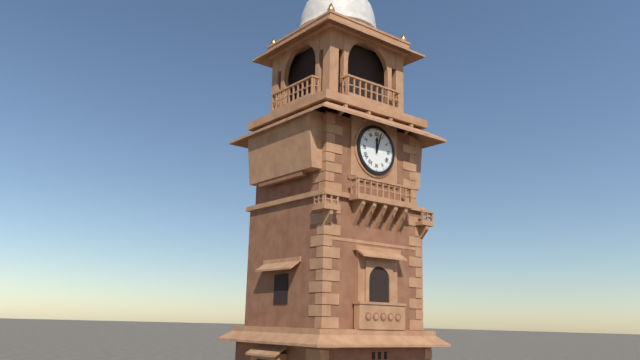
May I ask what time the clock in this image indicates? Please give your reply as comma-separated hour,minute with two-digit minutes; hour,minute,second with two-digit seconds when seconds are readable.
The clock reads 12,03
